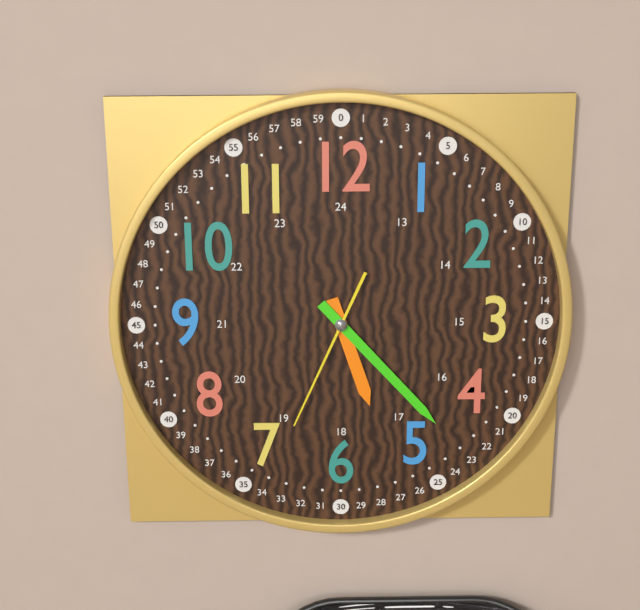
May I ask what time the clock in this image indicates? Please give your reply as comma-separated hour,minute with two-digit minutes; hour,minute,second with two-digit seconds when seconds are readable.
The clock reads 5,23,34
